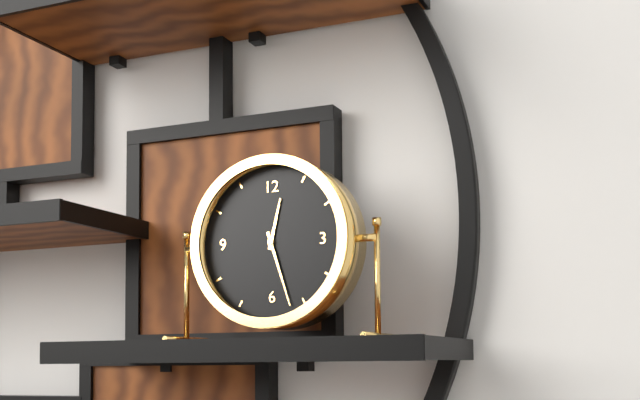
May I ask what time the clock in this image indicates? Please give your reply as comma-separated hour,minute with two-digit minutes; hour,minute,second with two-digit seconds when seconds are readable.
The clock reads 12,27
